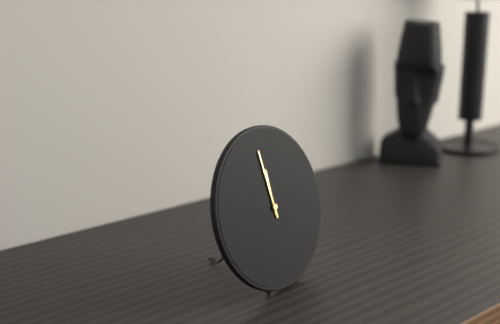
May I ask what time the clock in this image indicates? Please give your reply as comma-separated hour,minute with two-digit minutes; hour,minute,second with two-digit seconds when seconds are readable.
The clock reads 11,59
